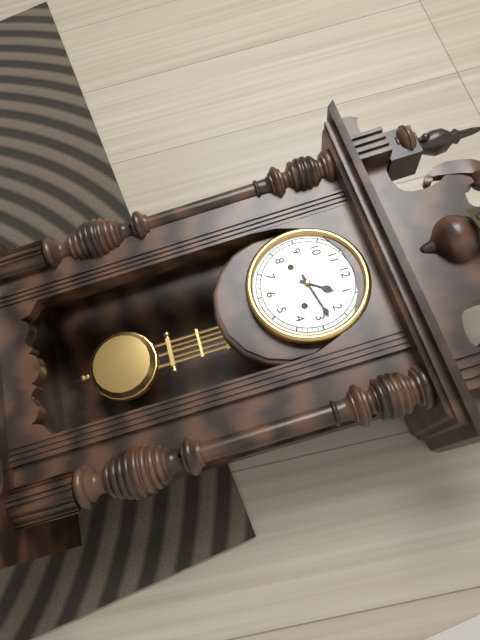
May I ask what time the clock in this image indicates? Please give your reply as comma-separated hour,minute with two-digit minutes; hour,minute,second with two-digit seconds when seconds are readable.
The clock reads 1,13
